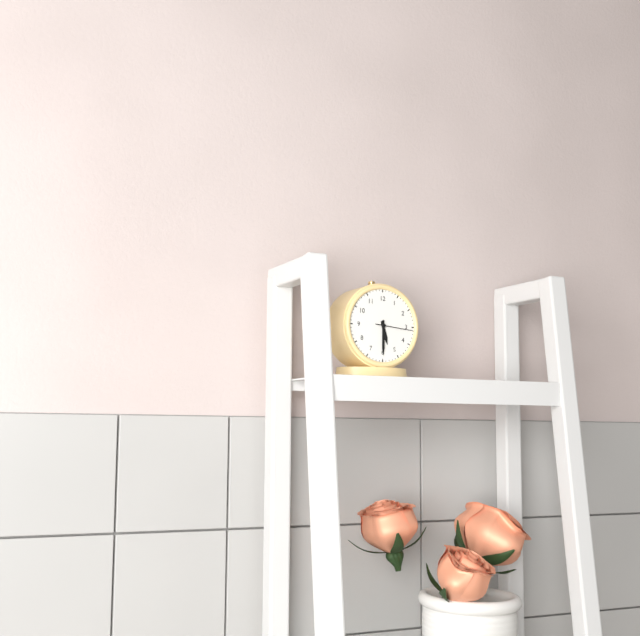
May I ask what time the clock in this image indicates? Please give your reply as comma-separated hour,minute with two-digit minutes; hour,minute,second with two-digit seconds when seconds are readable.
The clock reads 5,30
